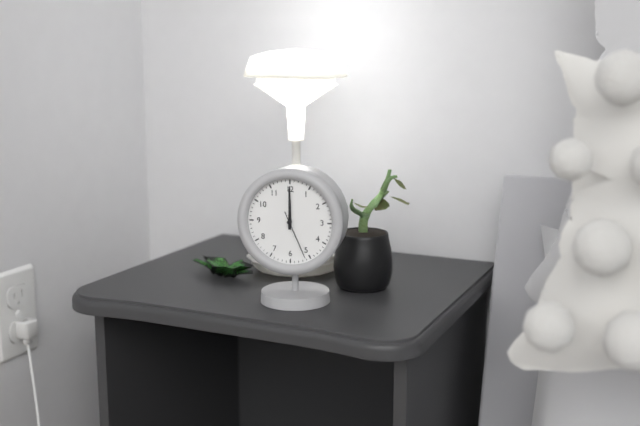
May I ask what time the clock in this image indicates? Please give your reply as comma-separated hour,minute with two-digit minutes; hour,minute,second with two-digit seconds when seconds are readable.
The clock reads 12,00
